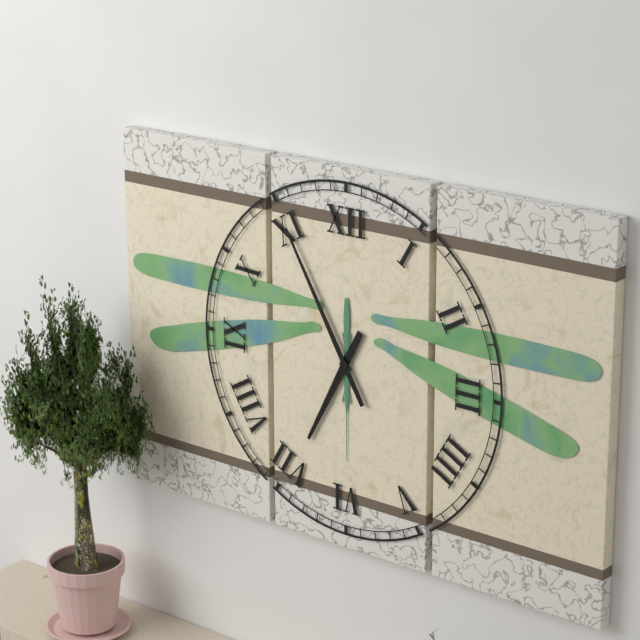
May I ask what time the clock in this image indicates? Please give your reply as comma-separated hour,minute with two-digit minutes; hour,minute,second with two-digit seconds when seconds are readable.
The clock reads 6,55
